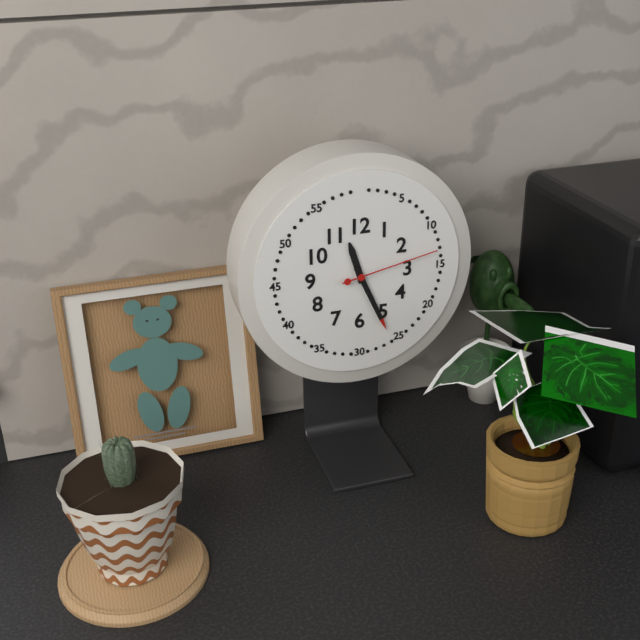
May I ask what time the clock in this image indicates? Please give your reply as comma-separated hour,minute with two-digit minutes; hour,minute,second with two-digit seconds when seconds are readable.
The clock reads 11,26,13
